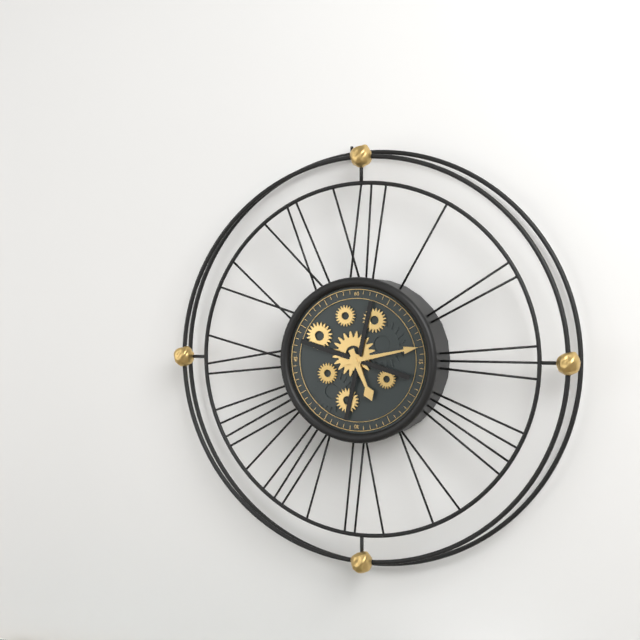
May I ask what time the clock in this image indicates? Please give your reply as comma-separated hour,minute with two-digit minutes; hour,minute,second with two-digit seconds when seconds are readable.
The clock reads 5,13
